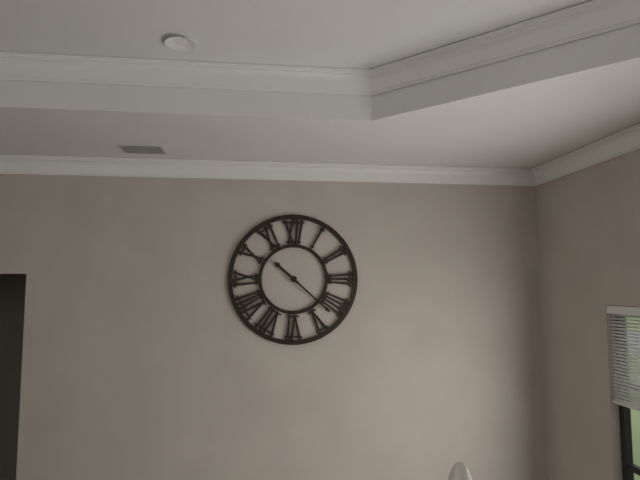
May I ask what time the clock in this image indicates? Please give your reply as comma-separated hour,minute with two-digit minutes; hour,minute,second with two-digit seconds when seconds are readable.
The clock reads 10,22
